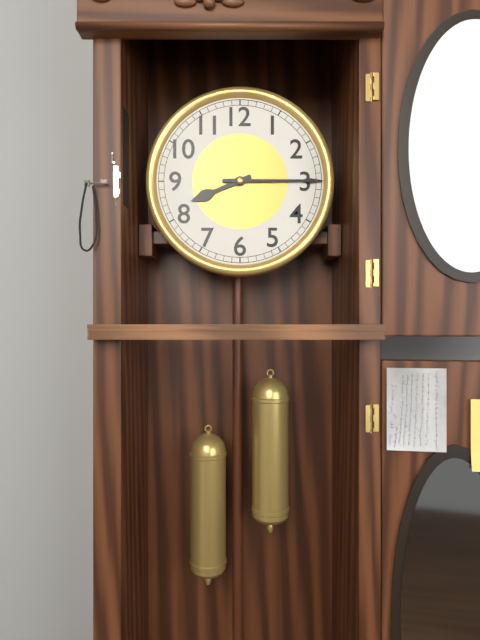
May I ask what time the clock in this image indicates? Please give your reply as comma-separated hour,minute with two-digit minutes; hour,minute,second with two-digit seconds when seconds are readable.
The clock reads 8,15
